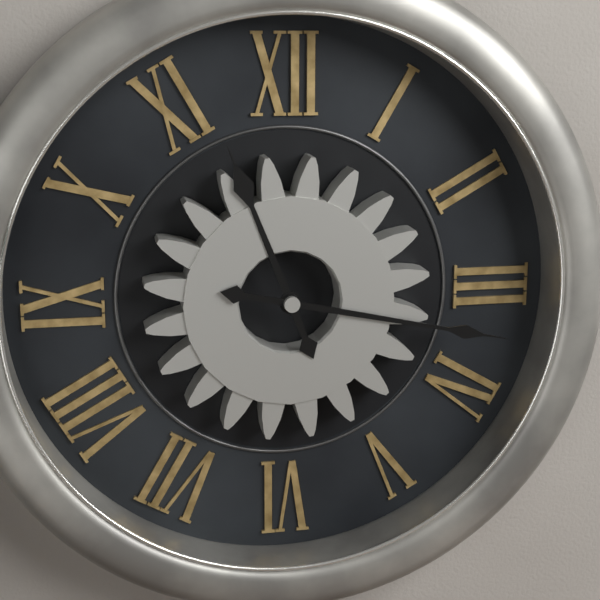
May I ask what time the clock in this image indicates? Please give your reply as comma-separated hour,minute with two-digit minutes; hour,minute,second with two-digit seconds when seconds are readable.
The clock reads 11,17
